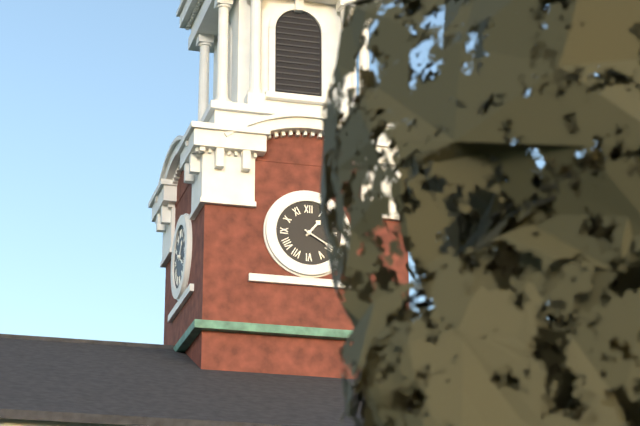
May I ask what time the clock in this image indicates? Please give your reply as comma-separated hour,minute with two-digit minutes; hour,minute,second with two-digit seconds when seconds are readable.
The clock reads 1,20
